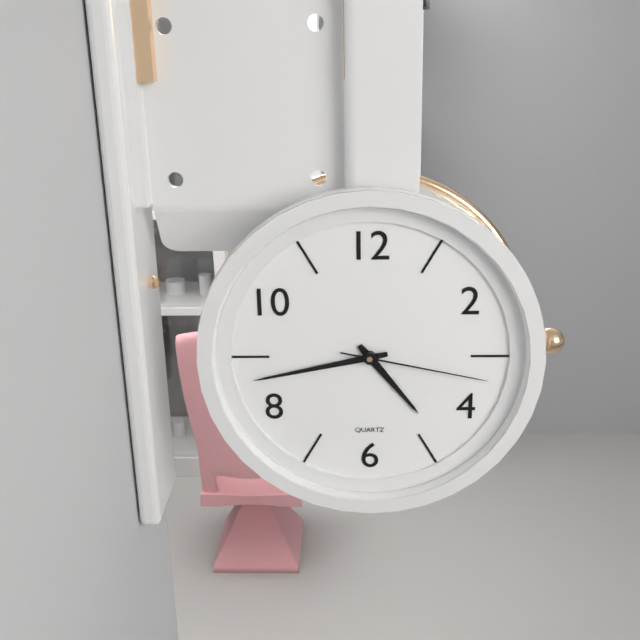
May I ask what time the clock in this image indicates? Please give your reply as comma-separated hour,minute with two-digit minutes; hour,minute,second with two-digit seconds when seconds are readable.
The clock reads 4,43,17
